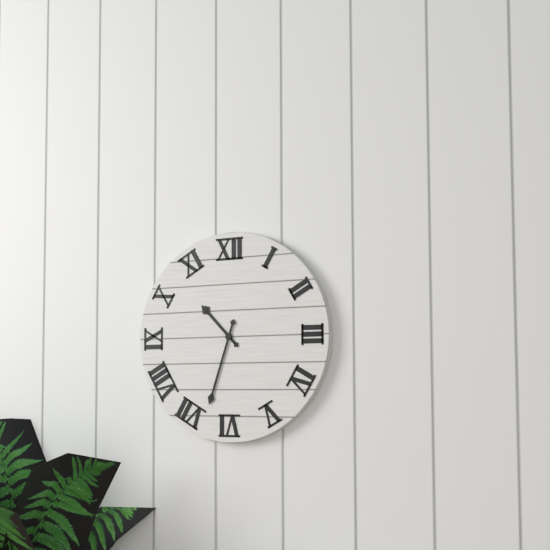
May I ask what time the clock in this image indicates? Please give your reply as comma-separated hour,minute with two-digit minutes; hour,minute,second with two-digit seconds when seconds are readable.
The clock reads 10,33
